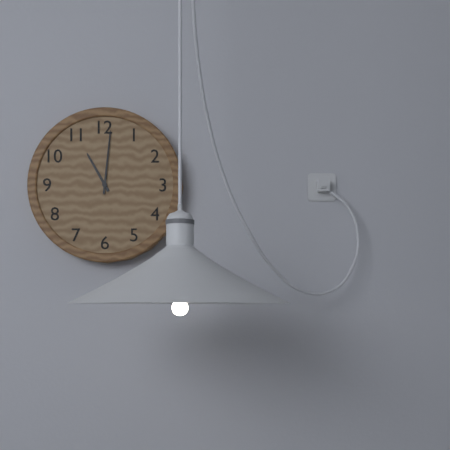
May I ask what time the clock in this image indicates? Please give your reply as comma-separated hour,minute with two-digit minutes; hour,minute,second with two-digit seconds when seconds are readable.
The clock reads 11,01
